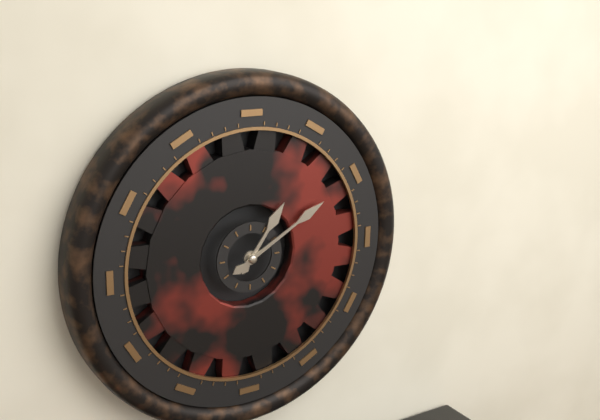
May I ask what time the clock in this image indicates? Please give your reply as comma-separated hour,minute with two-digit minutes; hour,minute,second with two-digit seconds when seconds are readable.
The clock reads 1,10
